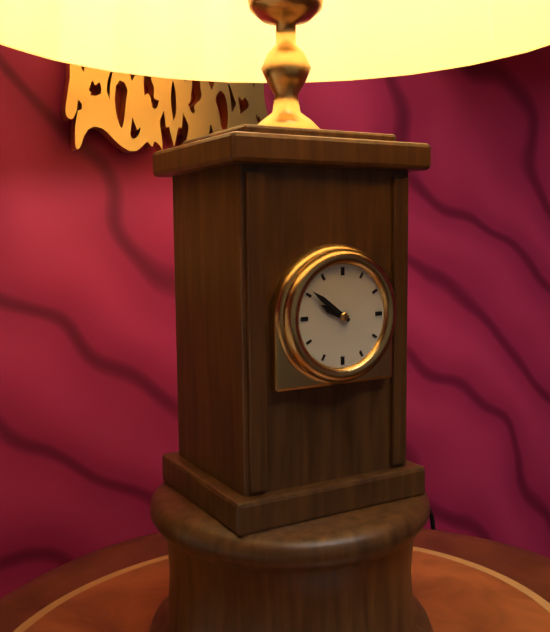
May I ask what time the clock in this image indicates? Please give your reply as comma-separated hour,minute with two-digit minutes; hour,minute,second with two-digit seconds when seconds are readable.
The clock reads 9,51
